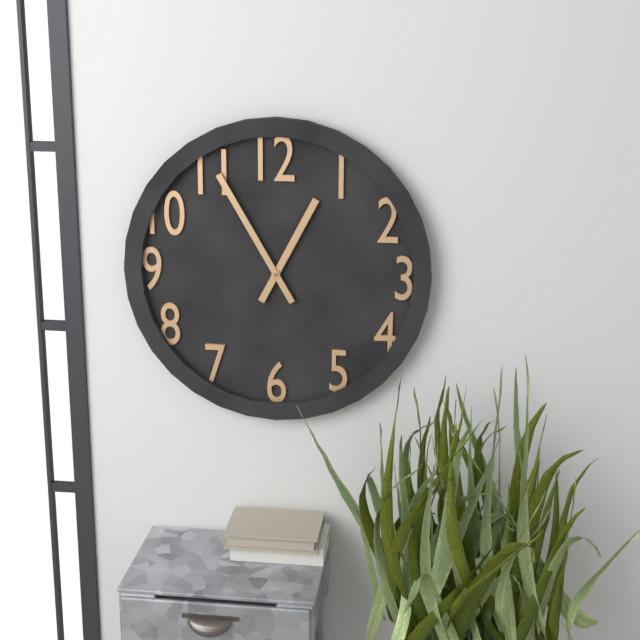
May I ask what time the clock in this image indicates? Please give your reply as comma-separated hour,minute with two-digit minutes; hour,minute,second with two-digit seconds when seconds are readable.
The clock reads 12,55
